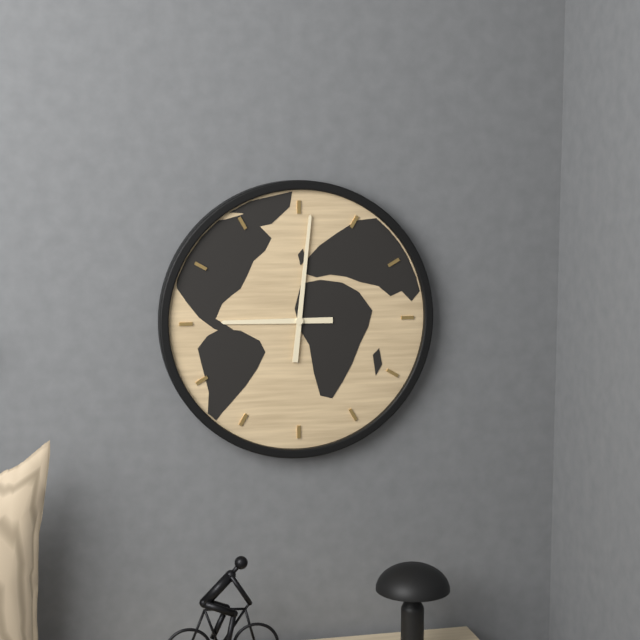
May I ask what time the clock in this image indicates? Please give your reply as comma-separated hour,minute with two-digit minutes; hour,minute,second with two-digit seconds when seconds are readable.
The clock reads 9,01
